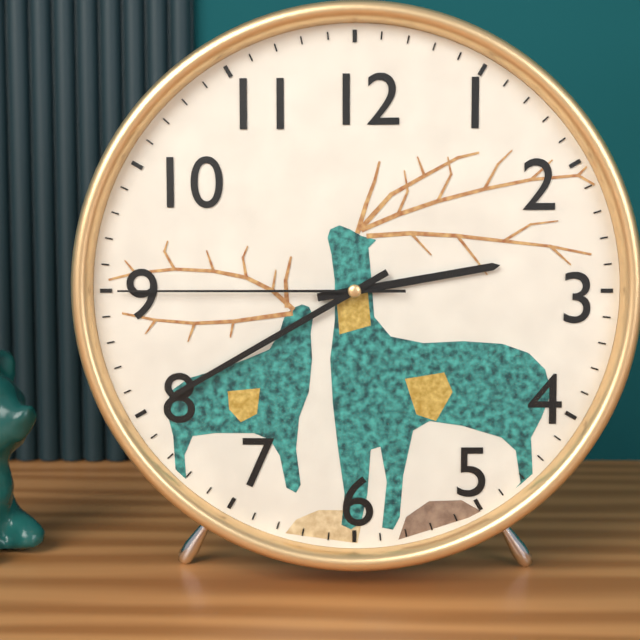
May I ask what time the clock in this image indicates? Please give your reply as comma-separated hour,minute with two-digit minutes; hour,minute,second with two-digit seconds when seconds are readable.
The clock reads 2,40,45
